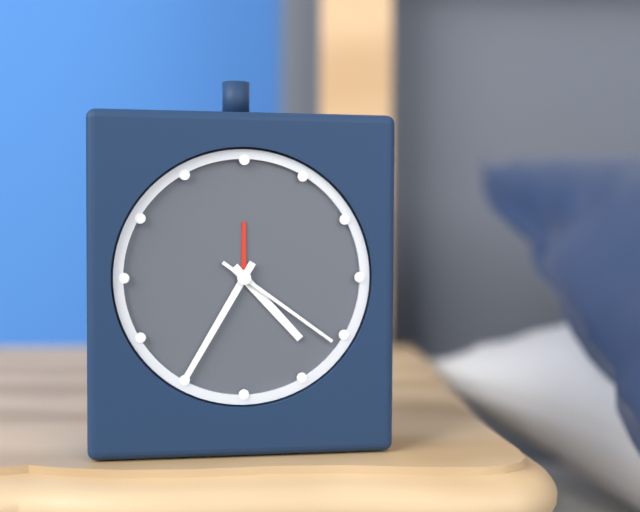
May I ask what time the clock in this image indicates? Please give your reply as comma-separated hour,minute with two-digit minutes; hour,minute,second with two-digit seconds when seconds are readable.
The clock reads 4,35,21
